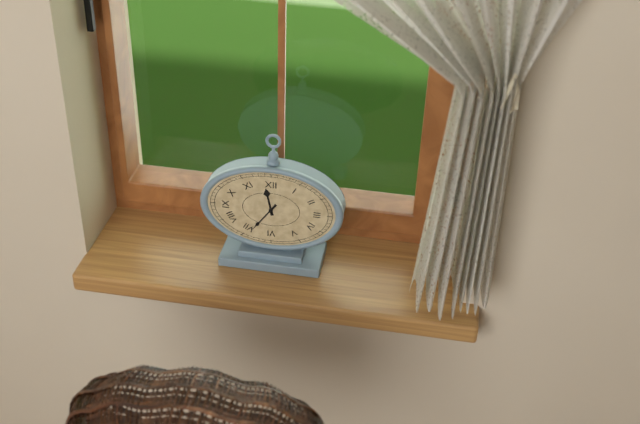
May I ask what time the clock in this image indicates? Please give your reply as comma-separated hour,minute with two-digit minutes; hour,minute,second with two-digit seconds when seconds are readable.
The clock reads 11,36
